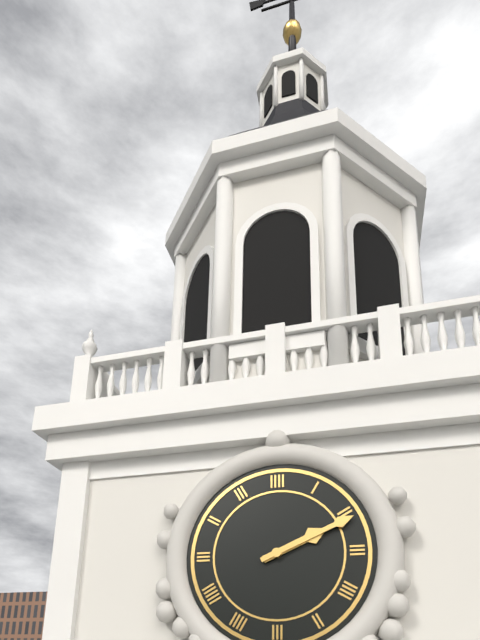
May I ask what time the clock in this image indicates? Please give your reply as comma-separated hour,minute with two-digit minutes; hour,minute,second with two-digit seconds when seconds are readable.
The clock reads 2,11
